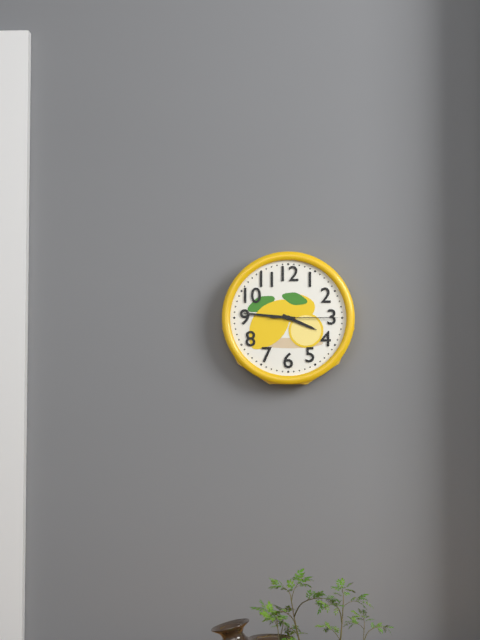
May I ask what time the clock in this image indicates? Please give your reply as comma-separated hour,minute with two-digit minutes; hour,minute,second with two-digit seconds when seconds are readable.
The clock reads 3,46,15
